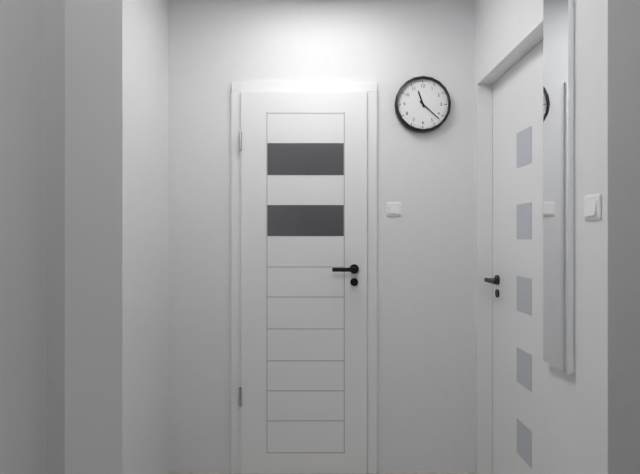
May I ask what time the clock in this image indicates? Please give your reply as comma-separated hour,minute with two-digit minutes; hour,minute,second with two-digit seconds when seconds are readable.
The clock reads 11,22
